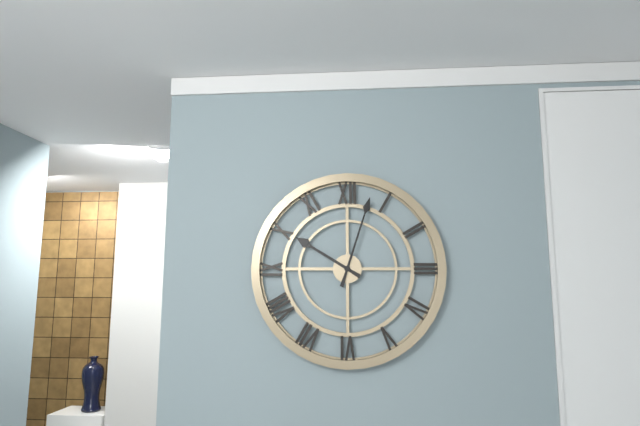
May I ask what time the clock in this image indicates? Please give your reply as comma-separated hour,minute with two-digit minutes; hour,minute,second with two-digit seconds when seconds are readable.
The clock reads 10,03
